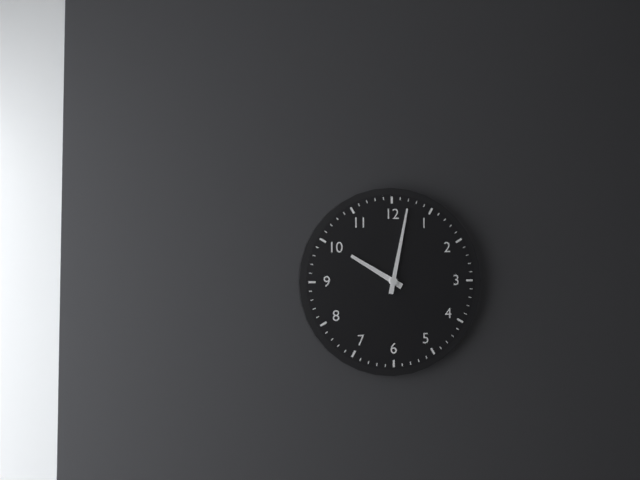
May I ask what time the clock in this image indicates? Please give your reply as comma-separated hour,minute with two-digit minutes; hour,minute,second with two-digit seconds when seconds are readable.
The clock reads 10,02
